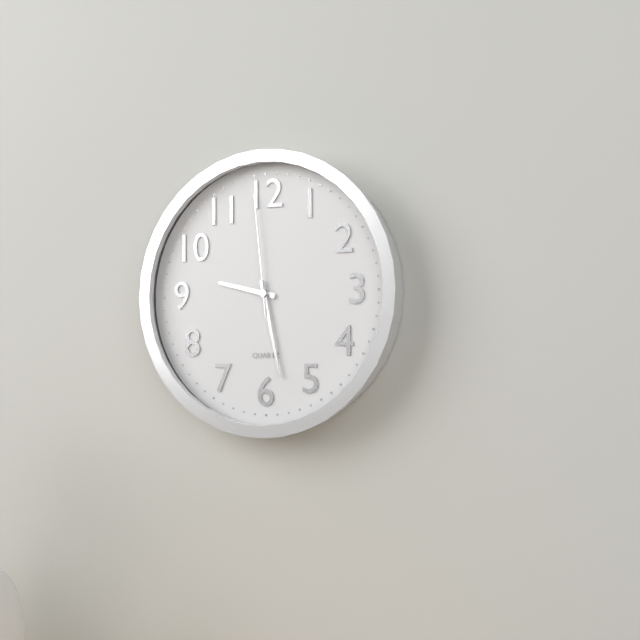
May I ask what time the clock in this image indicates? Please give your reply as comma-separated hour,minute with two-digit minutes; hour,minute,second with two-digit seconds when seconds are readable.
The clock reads 9,28,59
